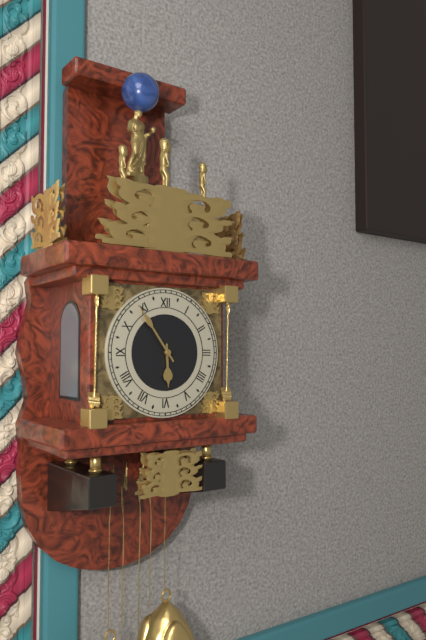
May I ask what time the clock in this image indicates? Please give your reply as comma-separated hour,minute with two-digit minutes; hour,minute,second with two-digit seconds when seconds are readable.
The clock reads 5,54
